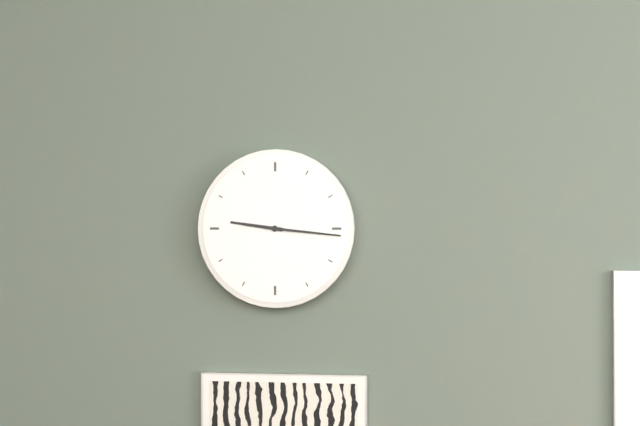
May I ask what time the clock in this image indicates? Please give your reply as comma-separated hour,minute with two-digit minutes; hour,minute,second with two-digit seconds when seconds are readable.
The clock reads 9,16
